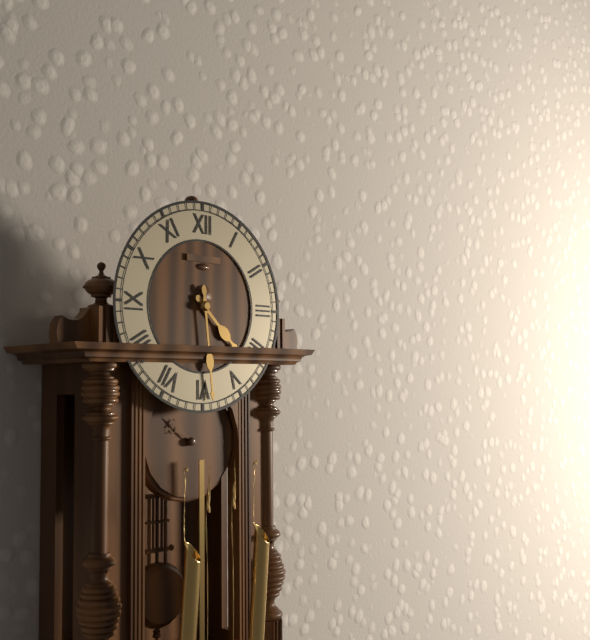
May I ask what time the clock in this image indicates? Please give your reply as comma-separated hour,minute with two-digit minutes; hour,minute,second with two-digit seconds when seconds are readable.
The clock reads 4,29
